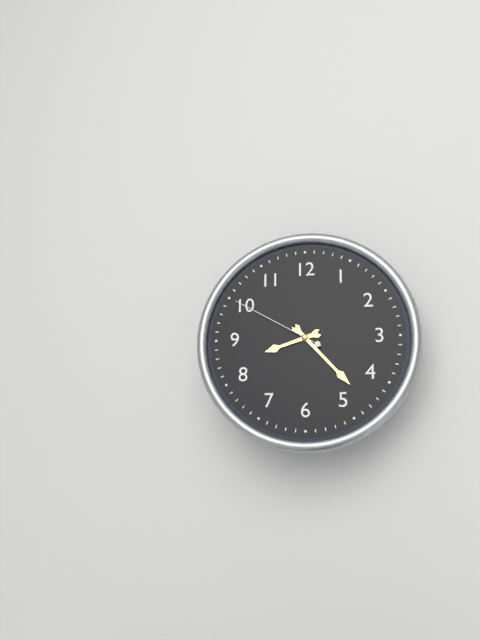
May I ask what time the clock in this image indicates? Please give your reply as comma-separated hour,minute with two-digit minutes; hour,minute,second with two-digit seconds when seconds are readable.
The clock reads 8,23,50
